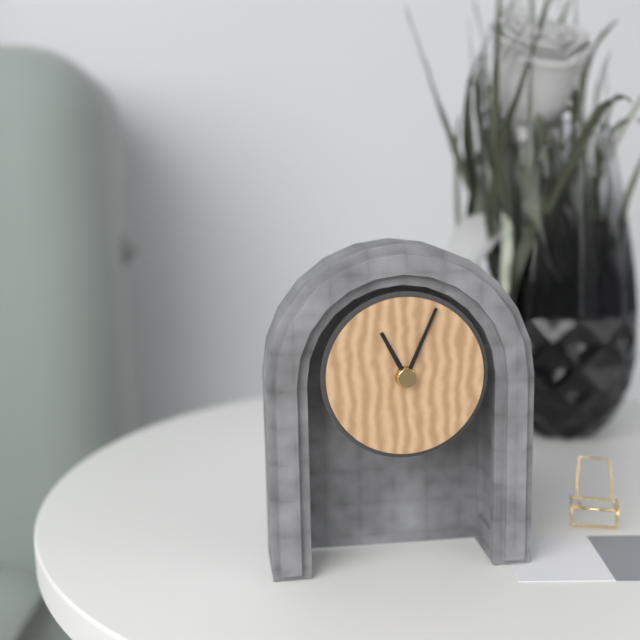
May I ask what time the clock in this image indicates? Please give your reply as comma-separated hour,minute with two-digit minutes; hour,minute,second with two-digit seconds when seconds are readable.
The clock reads 11,04
